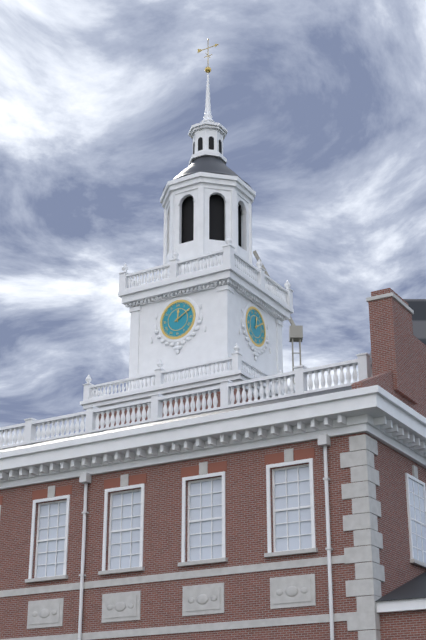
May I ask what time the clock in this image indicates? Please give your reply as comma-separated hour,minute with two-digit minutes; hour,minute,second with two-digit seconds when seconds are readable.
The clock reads 12,10
